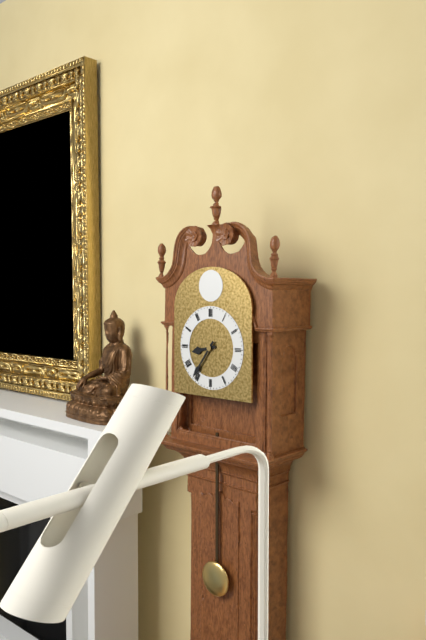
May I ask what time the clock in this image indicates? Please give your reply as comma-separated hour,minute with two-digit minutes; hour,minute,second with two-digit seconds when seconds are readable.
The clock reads 8,36
